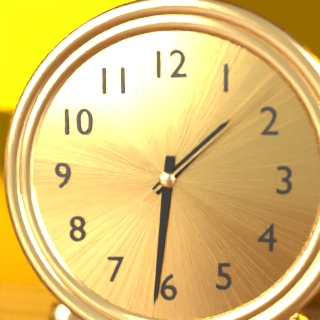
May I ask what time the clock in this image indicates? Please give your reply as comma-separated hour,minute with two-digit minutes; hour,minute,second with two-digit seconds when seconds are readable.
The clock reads 1,31,08
